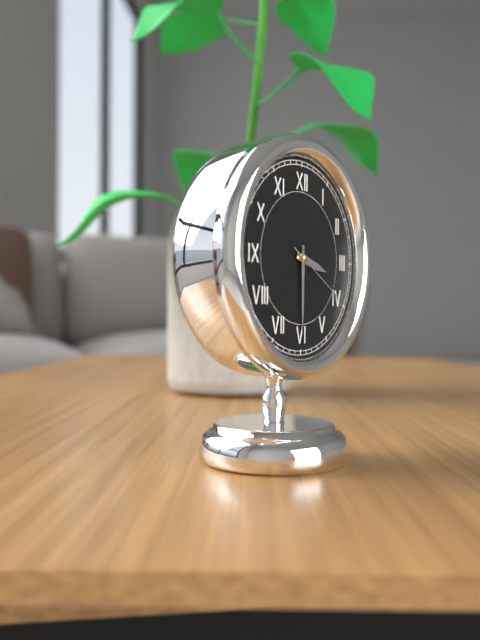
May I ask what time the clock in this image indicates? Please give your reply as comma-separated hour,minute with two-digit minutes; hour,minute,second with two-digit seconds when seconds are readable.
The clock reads 3,30,20
